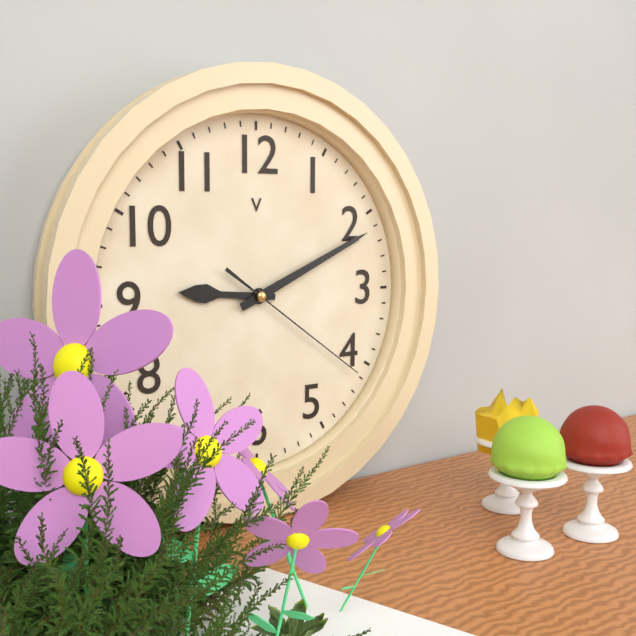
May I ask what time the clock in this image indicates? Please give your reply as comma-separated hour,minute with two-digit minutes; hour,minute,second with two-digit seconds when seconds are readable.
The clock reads 9,11,21
